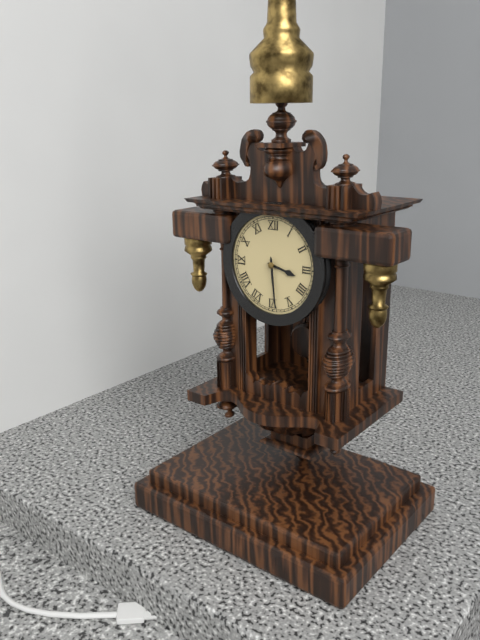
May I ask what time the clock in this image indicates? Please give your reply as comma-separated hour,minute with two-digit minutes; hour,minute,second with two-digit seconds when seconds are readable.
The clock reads 3,29
